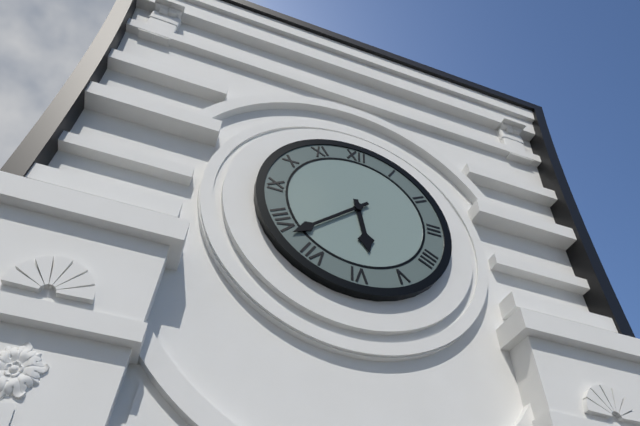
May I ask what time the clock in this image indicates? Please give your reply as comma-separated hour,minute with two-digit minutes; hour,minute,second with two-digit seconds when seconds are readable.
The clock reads 5,38
